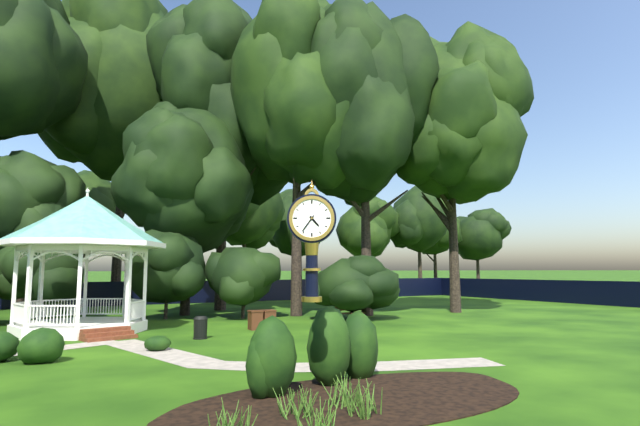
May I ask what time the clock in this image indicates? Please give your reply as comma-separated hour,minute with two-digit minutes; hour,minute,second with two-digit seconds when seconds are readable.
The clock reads 4,36
